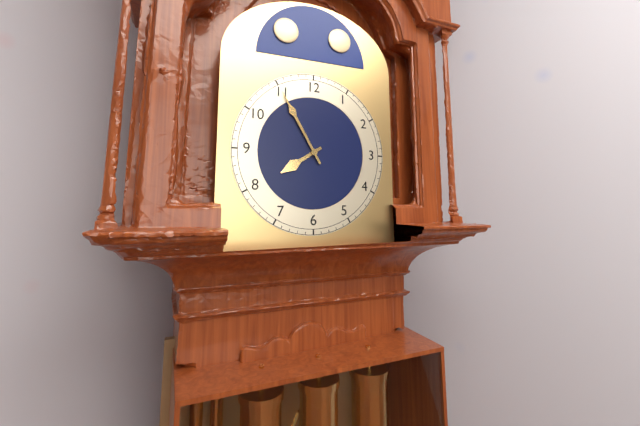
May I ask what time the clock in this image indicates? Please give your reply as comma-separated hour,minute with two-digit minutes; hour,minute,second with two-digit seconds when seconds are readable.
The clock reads 7,55
